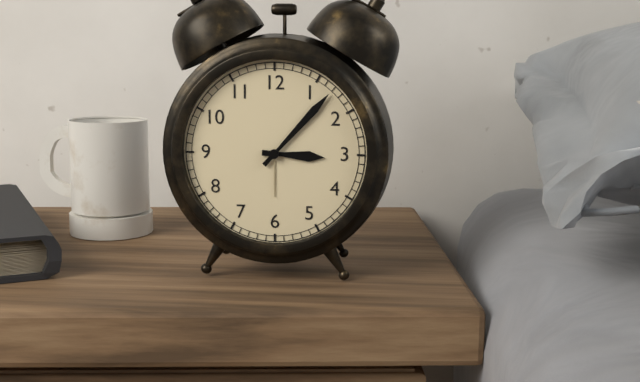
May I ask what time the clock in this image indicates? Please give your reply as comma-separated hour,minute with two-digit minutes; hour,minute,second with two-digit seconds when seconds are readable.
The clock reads 3,07
